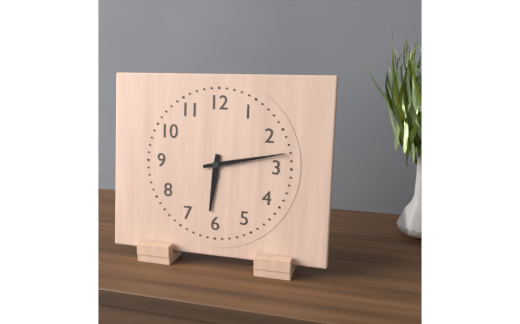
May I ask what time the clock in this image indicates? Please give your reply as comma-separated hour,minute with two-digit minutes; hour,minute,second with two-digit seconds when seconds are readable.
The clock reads 6,13
